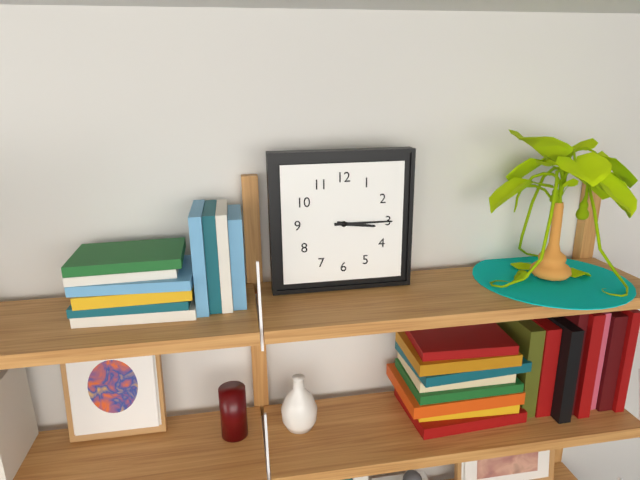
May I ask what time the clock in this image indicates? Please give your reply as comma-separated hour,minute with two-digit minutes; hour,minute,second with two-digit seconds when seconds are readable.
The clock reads 3,15
